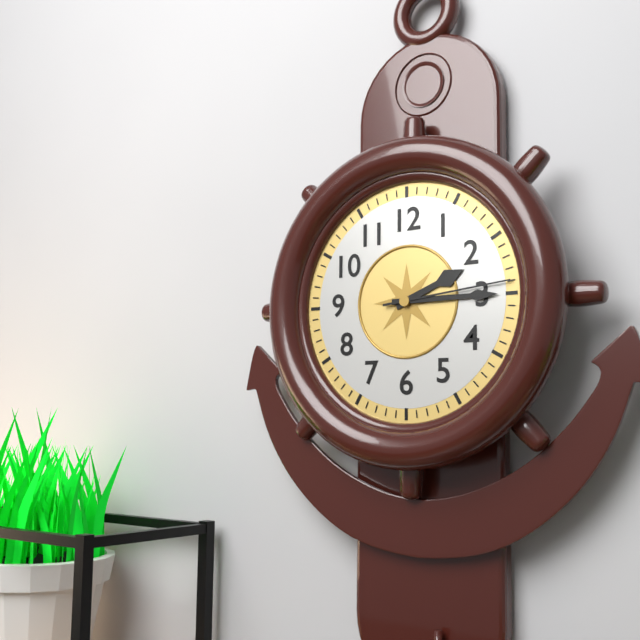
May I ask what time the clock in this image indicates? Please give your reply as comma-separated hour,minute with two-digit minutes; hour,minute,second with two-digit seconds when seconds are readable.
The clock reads 2,15,14
